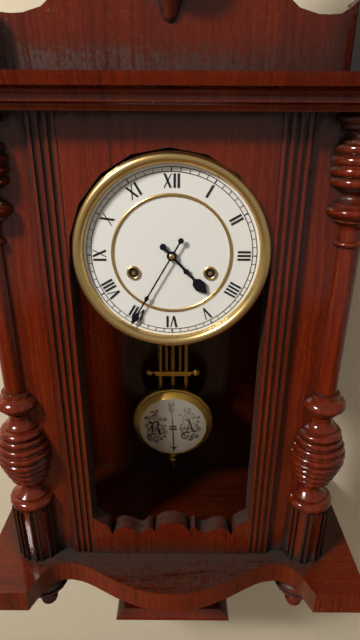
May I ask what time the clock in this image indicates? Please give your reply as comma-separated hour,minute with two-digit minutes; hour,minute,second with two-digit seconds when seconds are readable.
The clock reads 4,35
